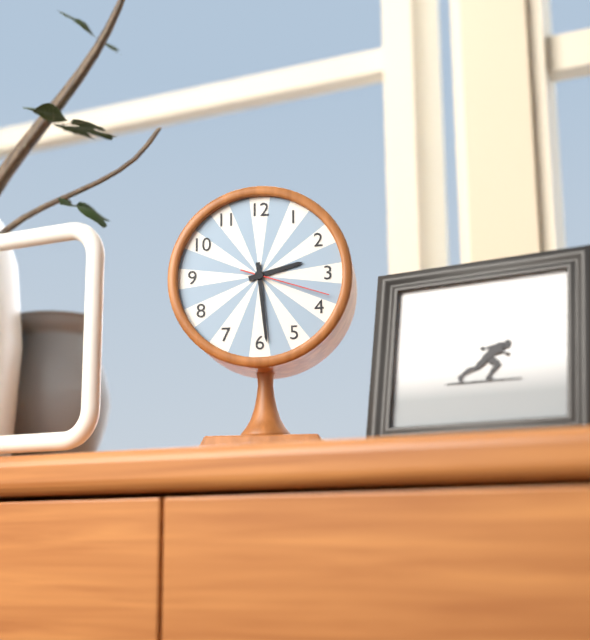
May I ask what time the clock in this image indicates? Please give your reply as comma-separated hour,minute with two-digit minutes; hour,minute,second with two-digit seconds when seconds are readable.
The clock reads 2,29,18
